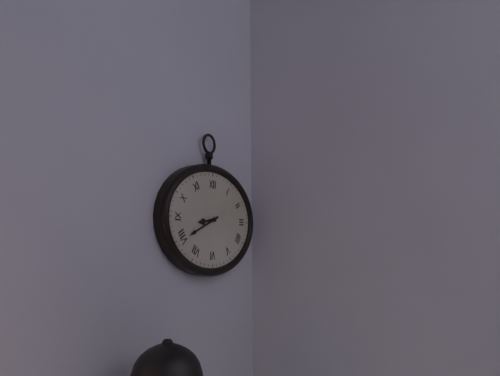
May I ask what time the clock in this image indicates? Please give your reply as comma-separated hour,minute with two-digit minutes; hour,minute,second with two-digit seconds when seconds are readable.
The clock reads 8,41
